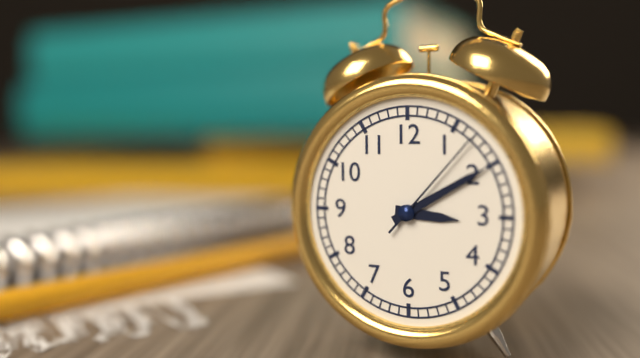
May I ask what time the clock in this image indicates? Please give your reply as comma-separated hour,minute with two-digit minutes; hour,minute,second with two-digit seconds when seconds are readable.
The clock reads 3,10,07
